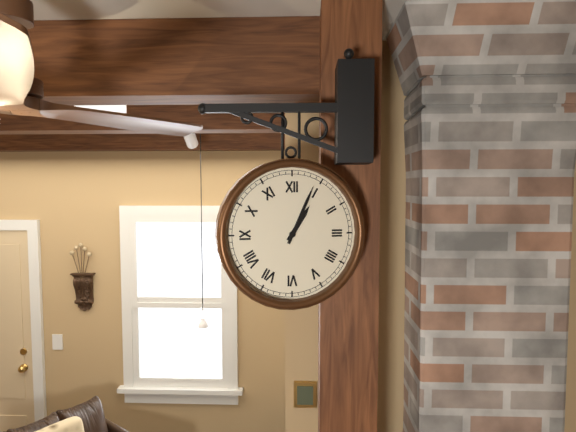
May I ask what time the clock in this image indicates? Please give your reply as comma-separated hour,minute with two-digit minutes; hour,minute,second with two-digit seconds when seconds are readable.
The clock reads 1,04
